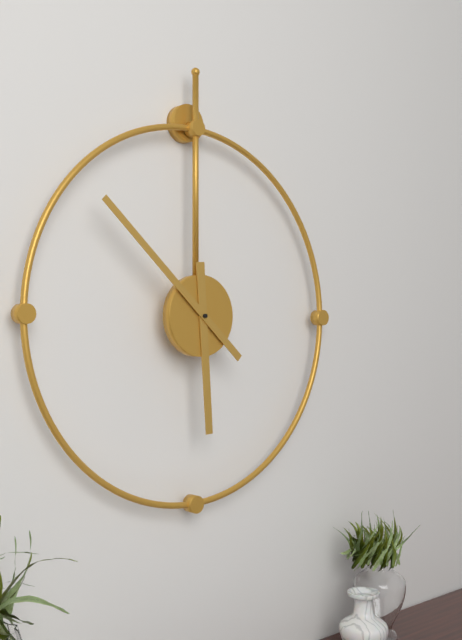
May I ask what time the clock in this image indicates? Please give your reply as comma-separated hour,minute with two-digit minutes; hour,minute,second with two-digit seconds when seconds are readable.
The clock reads 5,52
